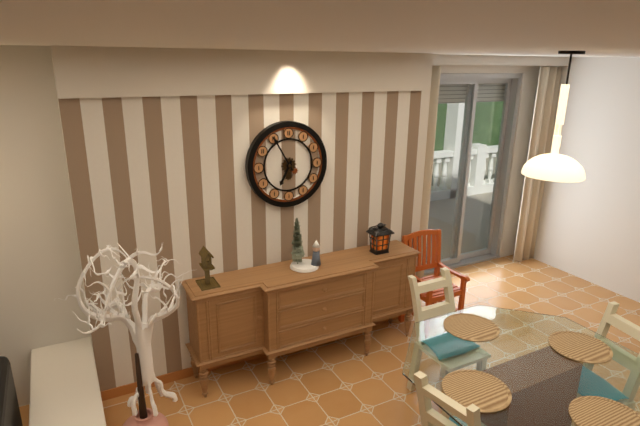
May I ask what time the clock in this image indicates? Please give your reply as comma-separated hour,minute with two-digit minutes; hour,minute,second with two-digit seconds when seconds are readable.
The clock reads 6,55
